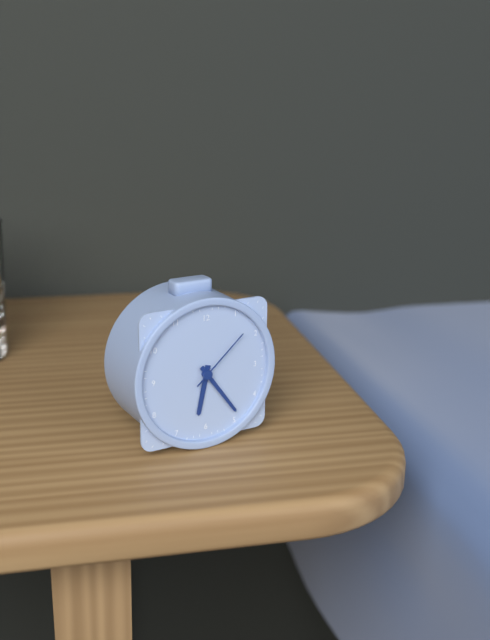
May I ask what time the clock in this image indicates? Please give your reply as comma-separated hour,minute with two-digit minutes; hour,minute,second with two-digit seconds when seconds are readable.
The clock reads 6,24,08
